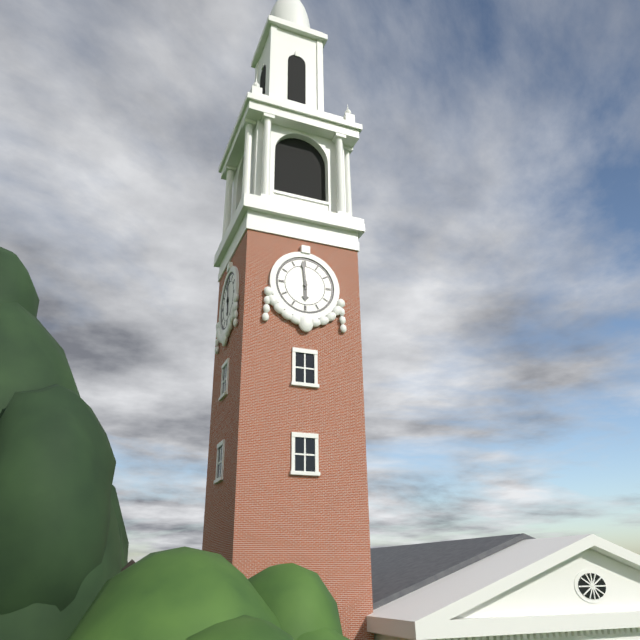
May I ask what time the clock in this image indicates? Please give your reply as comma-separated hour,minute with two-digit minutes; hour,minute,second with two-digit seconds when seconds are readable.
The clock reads 5,59
